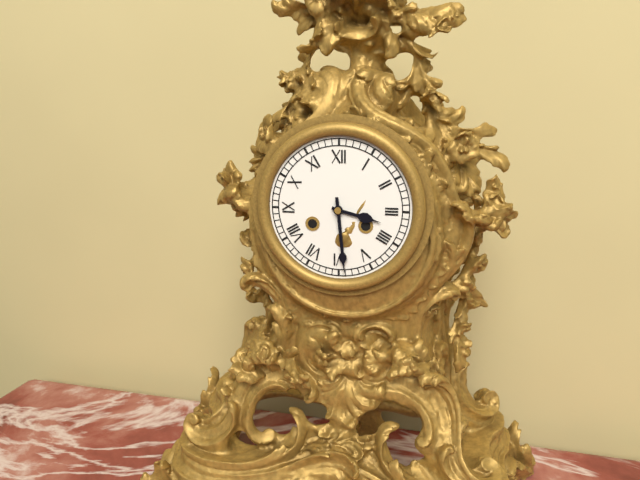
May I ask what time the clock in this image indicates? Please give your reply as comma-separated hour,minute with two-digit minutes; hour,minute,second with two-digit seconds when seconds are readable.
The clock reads 3,29
